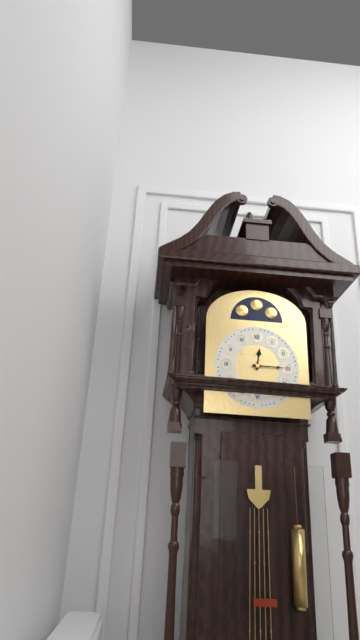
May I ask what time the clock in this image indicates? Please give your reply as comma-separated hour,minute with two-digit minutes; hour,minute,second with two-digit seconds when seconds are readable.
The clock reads 12,15
